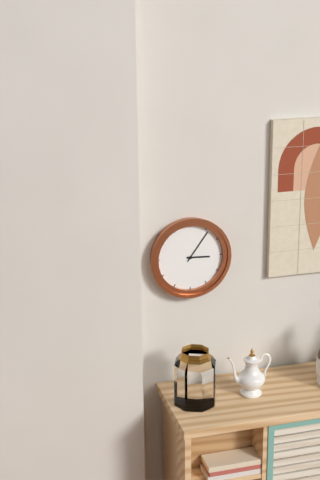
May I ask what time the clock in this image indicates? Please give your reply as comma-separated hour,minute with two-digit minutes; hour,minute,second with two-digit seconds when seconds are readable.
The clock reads 3,06
